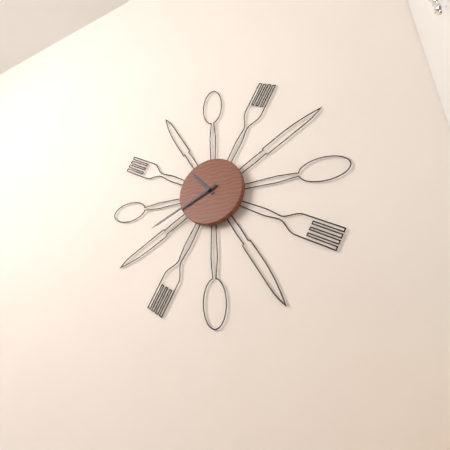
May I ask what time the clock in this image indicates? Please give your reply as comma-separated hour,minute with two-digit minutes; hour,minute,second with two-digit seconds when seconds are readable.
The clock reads 10,41
